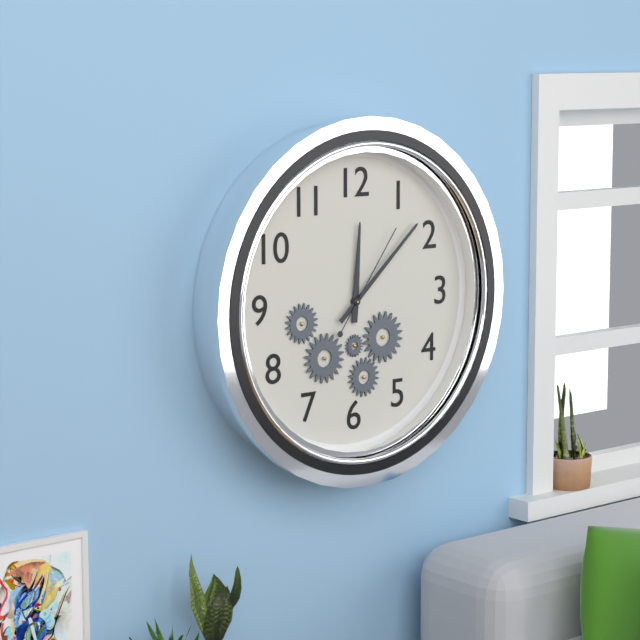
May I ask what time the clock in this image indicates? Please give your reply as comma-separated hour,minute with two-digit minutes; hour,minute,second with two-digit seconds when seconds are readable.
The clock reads 12,08,06
